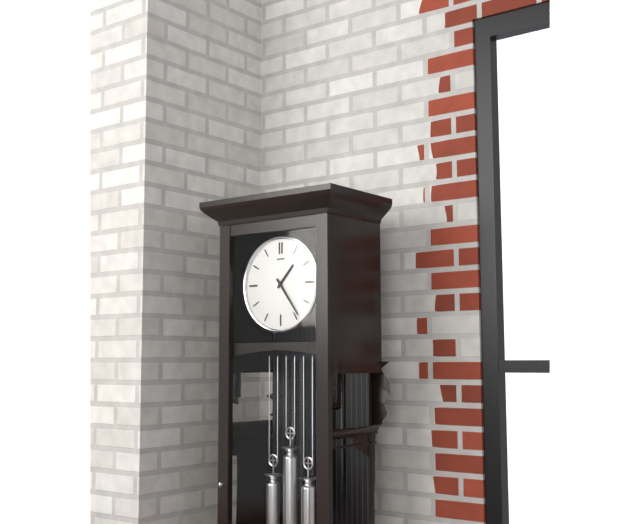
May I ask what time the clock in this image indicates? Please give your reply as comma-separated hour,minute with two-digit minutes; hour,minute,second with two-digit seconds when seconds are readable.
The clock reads 1,24
